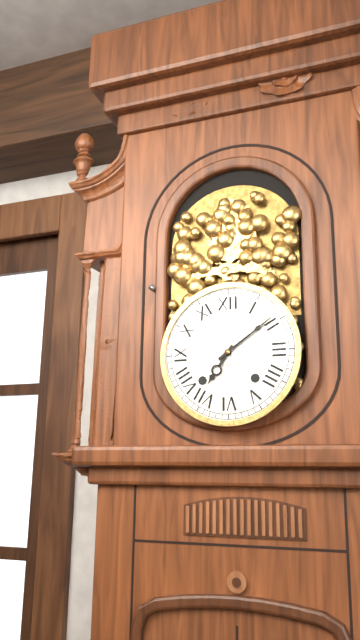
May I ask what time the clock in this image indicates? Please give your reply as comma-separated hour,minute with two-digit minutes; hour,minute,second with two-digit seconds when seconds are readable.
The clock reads 7,09
